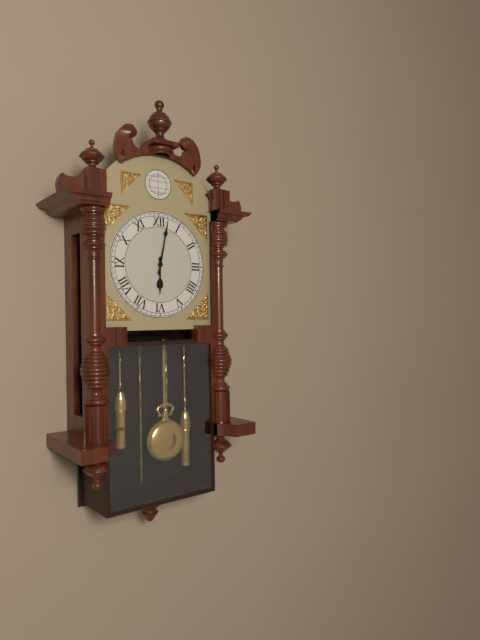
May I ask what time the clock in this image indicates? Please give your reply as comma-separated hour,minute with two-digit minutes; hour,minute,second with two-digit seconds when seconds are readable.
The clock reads 6,02
